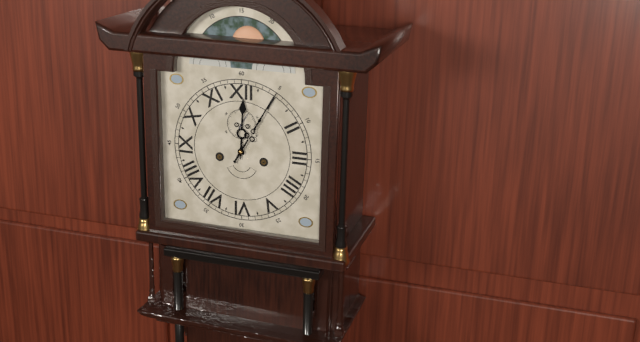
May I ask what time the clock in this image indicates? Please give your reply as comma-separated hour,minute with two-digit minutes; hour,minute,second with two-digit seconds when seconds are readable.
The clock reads 12,05
